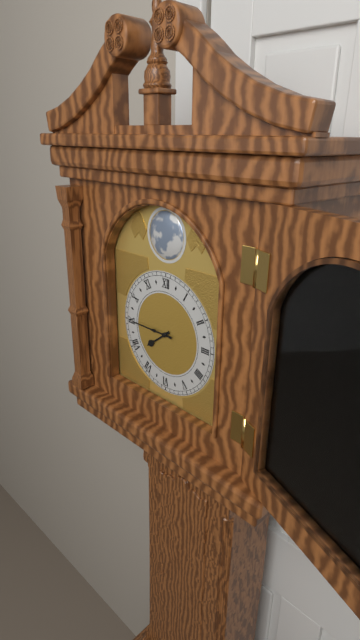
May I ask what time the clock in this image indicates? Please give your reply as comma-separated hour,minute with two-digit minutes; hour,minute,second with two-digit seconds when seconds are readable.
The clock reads 7,45
